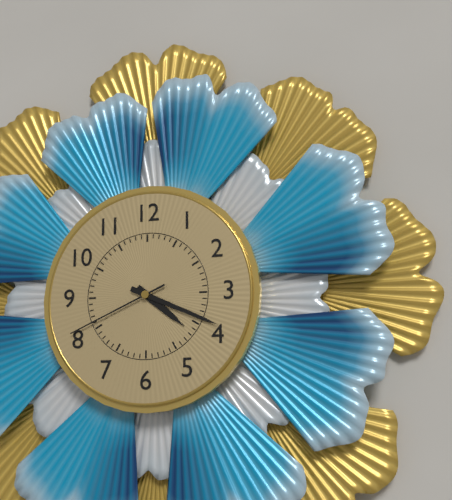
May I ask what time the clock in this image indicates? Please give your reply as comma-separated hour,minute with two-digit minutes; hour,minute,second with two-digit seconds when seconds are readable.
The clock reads 4,19,41
